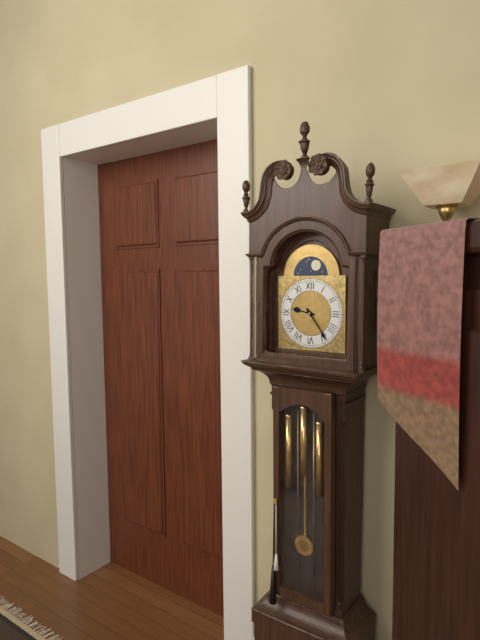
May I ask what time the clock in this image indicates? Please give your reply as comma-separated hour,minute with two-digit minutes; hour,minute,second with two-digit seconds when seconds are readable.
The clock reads 9,24
